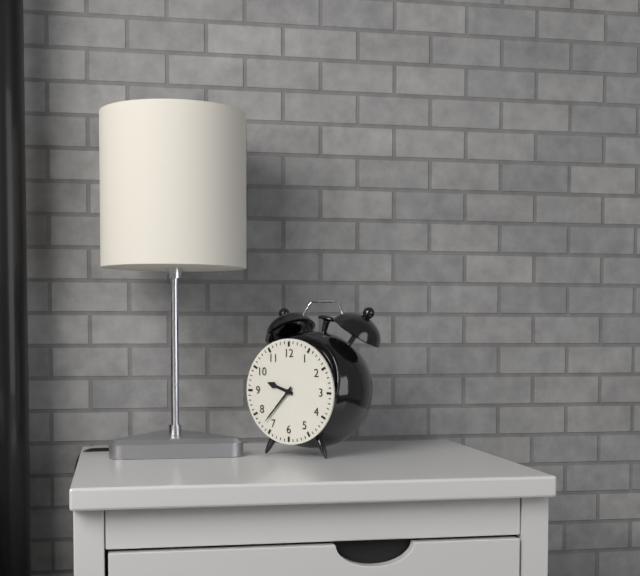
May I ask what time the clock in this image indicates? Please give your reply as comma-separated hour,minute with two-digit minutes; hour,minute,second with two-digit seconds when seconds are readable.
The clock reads 9,37
